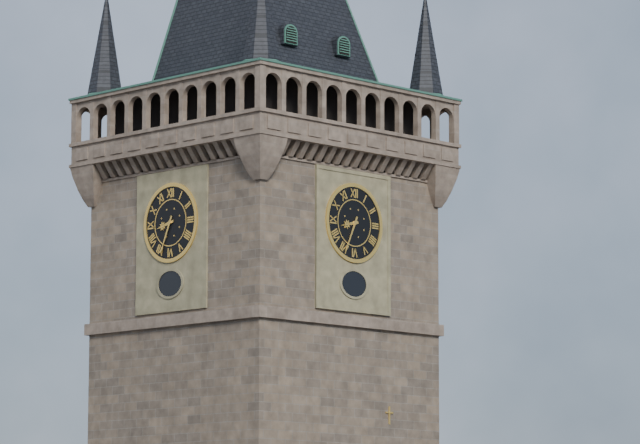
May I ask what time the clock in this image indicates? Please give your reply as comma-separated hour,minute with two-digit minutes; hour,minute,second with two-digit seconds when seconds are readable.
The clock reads 8,34
